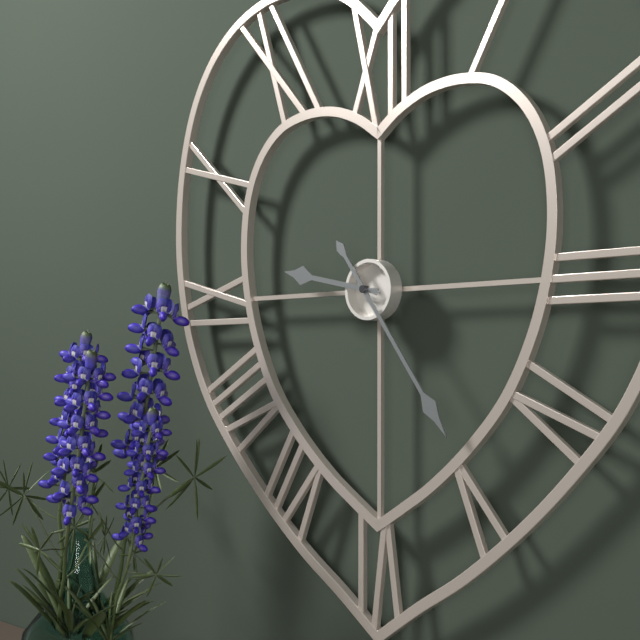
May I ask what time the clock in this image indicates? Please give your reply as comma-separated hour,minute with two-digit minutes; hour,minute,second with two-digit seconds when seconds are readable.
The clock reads 9,24
